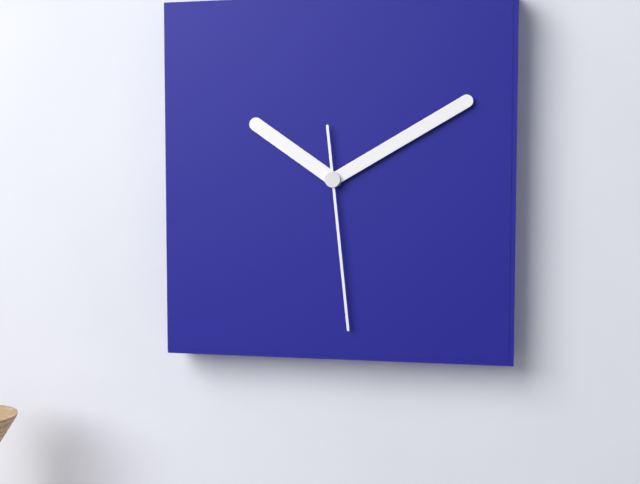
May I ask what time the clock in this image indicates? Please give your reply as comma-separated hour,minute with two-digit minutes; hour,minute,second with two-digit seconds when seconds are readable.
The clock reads 10,10,29
